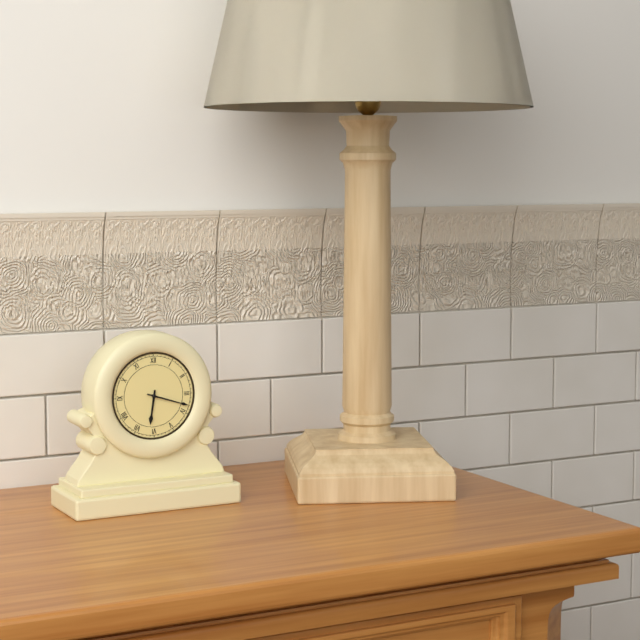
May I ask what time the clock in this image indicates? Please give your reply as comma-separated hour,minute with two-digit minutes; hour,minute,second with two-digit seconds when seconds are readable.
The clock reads 6,18
